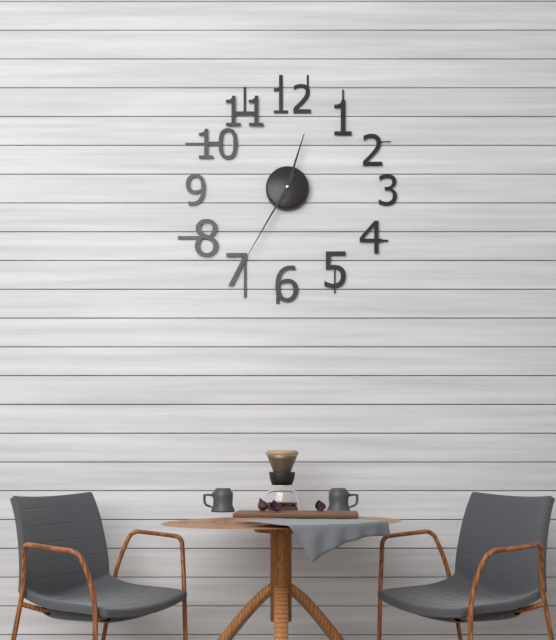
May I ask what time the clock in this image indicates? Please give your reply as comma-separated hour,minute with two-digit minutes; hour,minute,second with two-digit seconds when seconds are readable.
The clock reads 12,35
